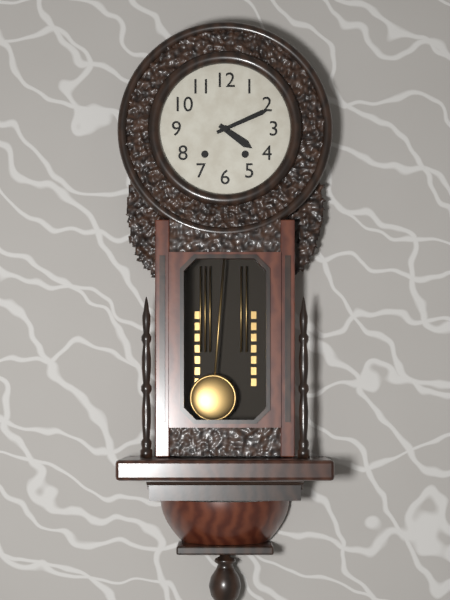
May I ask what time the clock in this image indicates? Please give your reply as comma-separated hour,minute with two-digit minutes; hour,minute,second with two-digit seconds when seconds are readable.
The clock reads 4,11
